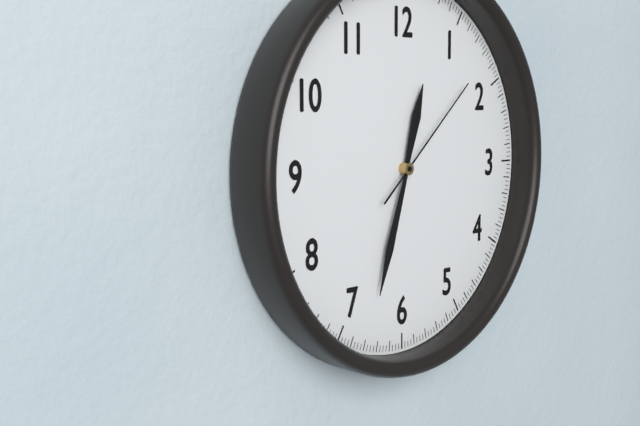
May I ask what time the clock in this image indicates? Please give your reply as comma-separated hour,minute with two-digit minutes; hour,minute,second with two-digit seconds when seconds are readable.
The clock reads 12,33,08
